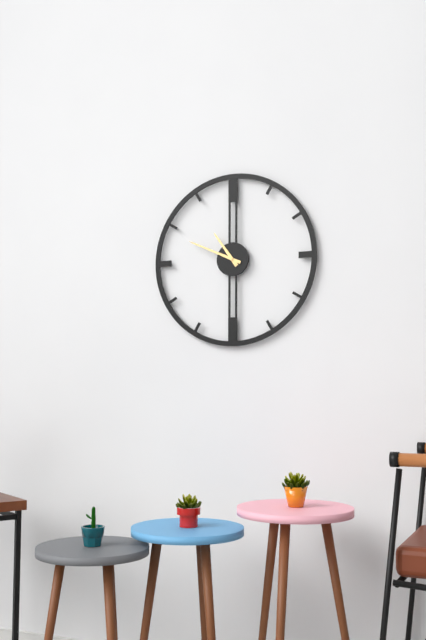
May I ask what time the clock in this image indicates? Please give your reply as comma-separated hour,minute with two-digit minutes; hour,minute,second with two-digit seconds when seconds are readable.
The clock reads 10,49
